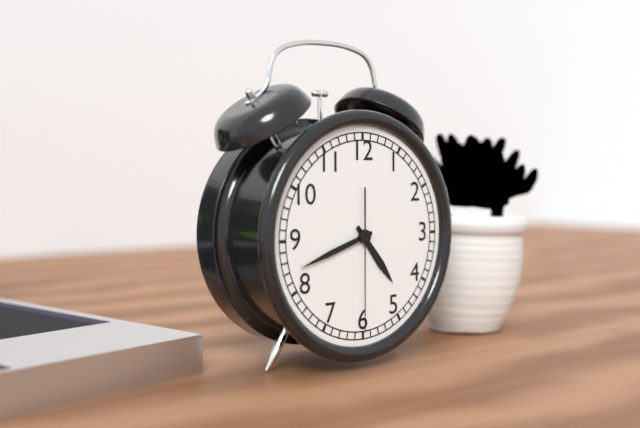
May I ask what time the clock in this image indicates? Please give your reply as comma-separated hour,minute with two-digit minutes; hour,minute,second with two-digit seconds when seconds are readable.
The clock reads 4,42,30
